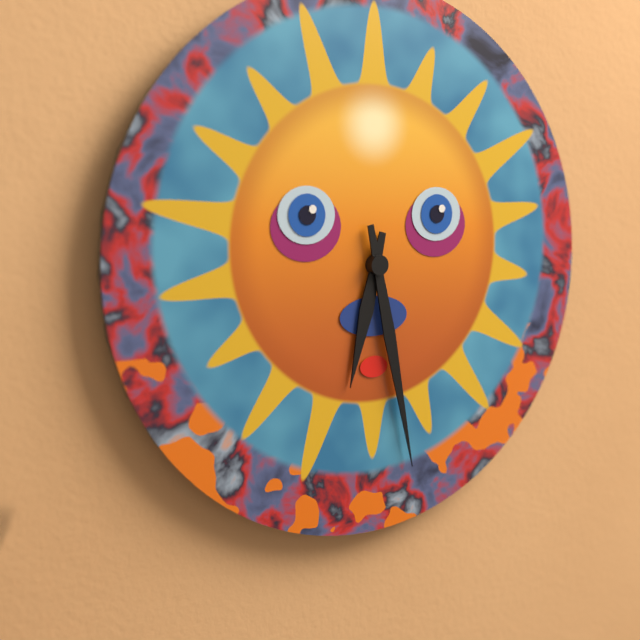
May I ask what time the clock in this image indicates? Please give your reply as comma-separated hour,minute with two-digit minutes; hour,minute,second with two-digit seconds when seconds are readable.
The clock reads 6,28
